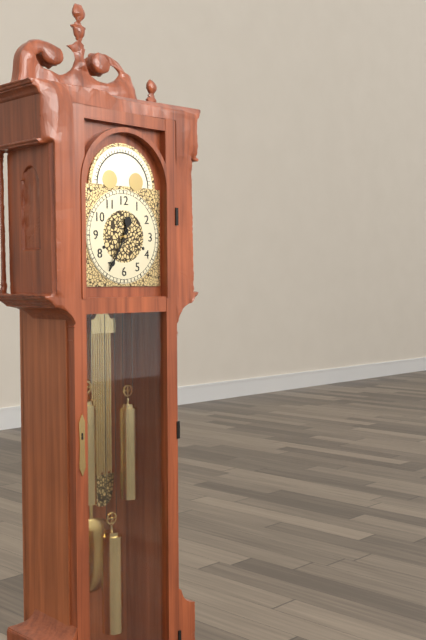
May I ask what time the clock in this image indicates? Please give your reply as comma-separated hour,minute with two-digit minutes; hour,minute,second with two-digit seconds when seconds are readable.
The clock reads 12,35
